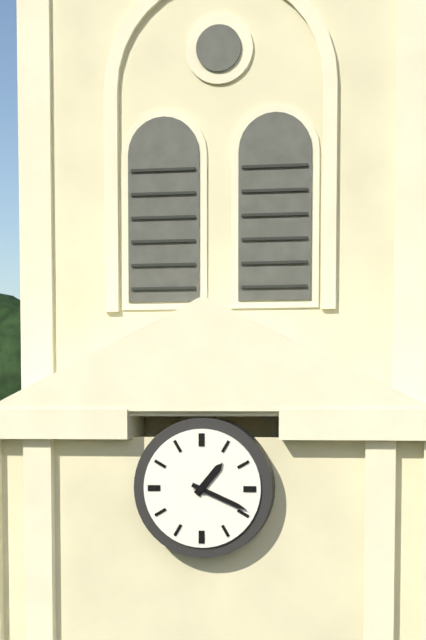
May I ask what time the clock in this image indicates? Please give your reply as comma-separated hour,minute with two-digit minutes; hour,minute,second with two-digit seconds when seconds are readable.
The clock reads 1,19
